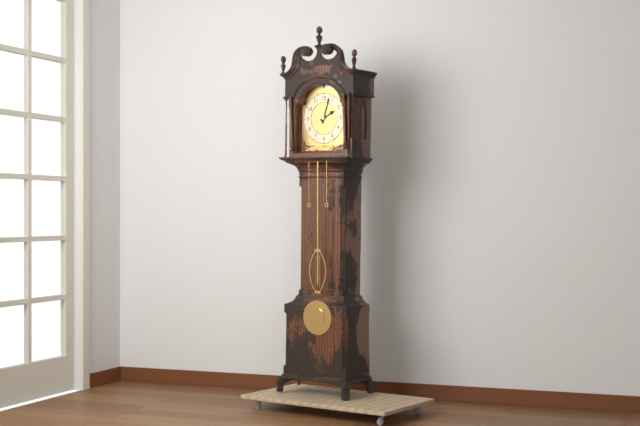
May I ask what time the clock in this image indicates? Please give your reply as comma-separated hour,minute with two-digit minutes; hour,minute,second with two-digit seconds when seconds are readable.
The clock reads 2,03
